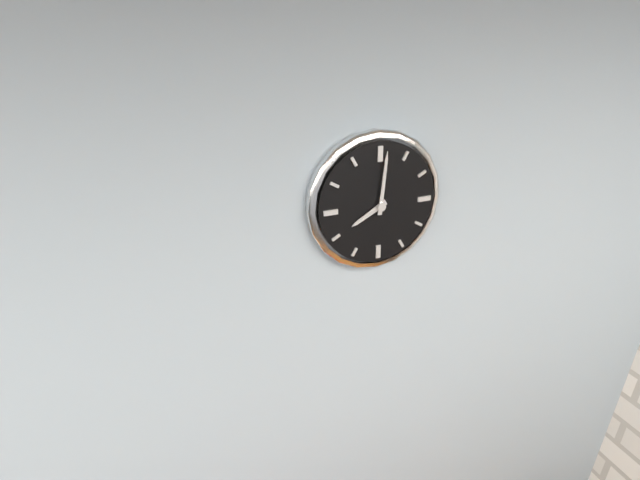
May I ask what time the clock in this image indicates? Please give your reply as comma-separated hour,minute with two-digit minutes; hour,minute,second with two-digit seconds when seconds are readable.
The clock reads 8,01
